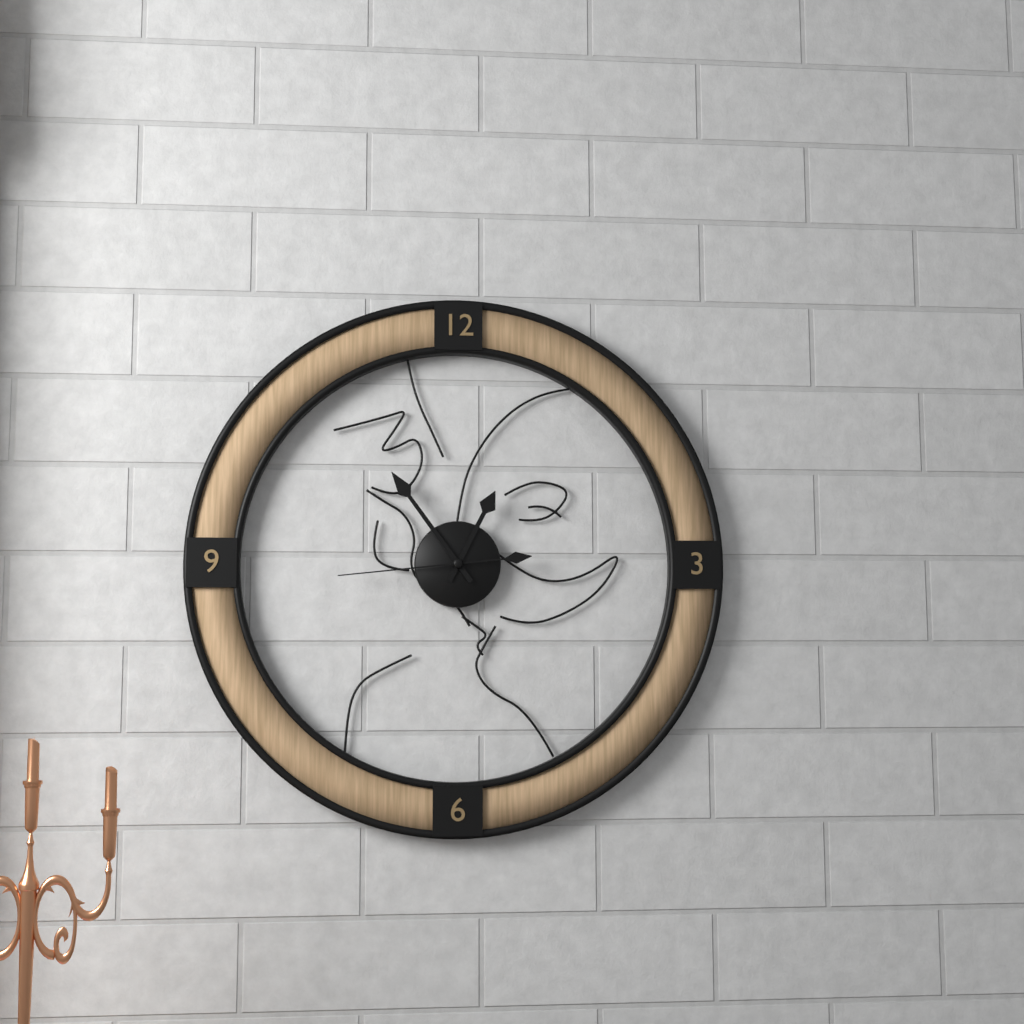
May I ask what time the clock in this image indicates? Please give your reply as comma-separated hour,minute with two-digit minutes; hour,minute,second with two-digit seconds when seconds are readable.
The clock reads 12,54,44
